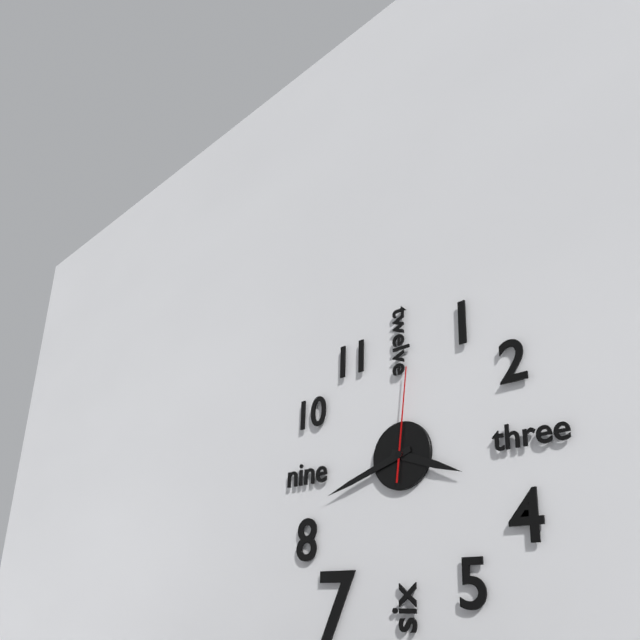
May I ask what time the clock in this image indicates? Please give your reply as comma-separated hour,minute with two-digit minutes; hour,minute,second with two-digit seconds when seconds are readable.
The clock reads 3,42,01
